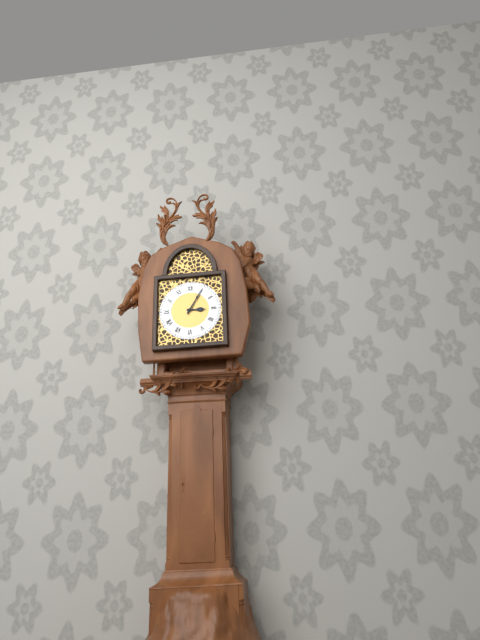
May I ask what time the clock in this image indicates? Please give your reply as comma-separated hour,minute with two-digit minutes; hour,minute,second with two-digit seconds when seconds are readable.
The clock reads 3,05
